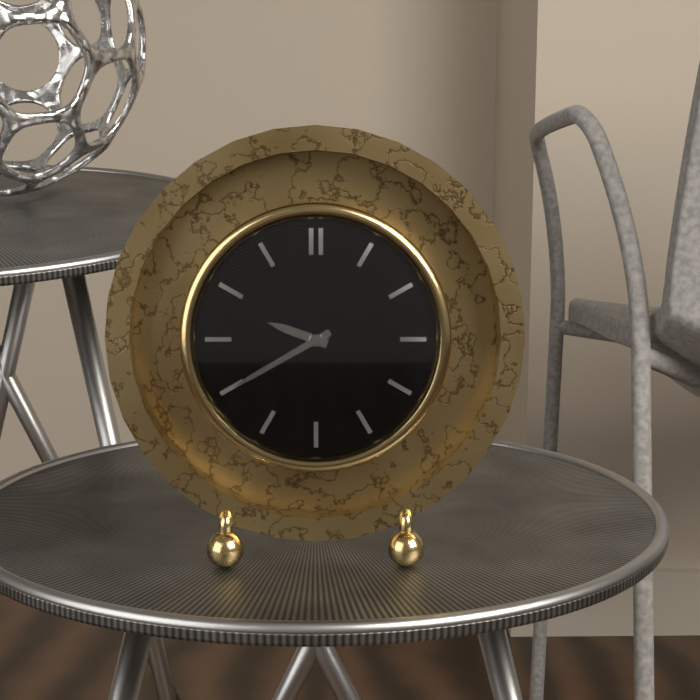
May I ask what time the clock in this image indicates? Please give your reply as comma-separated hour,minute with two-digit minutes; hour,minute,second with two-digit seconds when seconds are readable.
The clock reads 9,40
